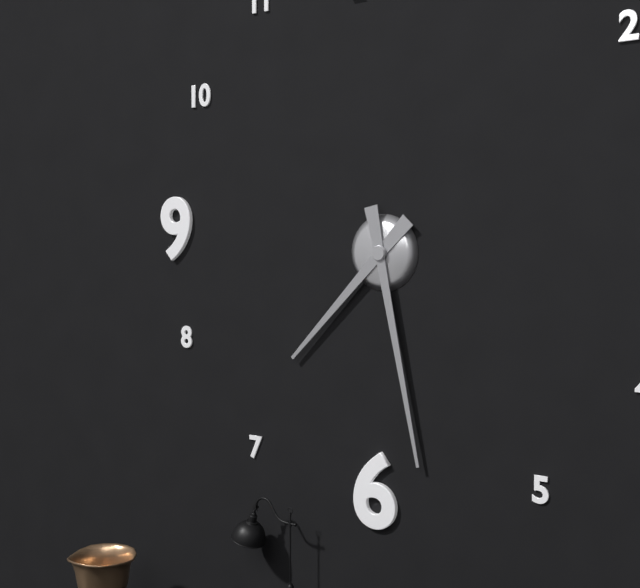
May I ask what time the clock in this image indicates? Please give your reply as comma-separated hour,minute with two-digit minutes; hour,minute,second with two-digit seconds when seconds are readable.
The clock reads 7,28
